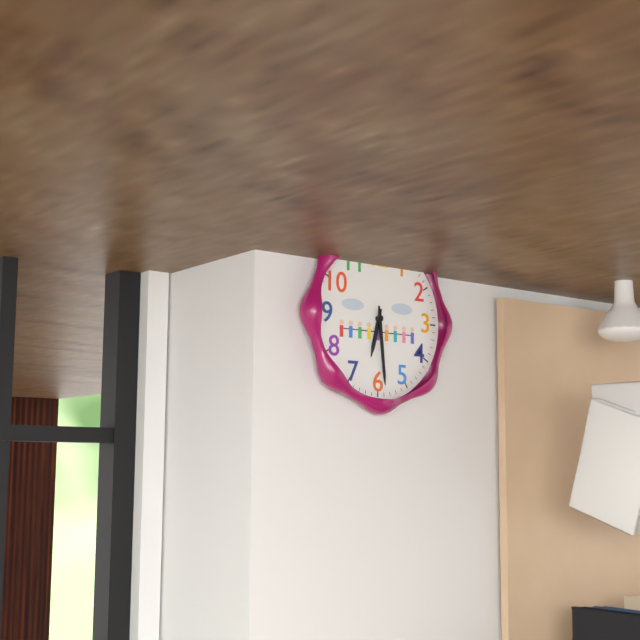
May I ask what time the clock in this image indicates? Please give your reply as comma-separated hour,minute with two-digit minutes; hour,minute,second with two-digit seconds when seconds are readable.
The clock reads 6,29
